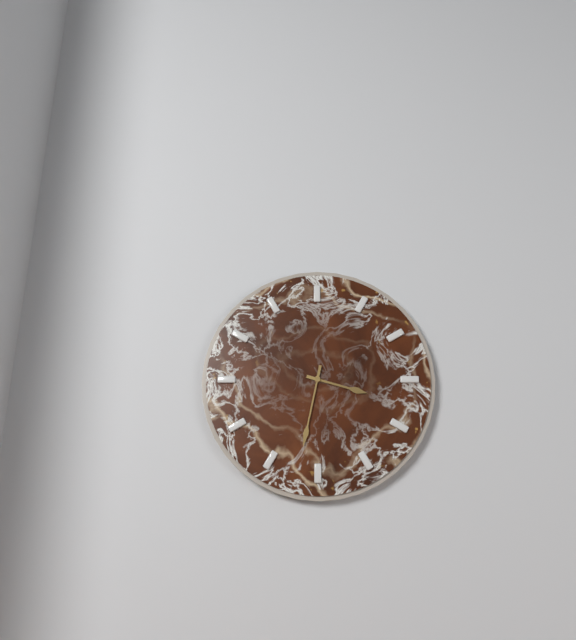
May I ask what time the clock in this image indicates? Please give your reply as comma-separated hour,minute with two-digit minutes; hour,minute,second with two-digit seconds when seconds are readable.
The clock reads 3,32
